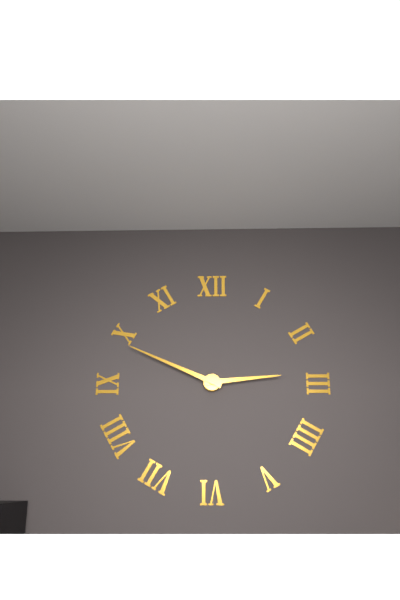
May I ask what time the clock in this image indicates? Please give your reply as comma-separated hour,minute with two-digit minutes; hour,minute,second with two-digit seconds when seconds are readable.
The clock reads 2,49
